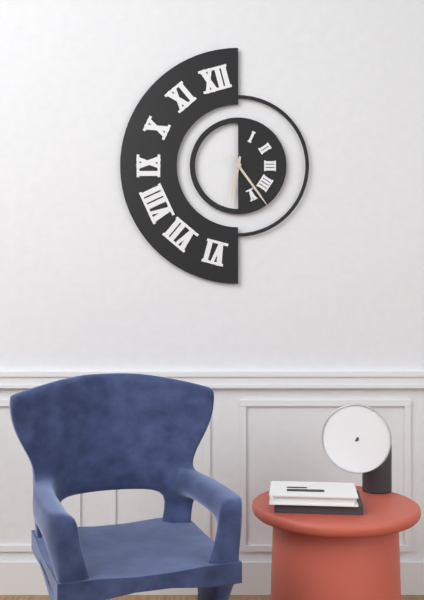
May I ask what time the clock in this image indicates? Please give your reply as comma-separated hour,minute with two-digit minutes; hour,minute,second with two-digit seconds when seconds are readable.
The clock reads 6,24
